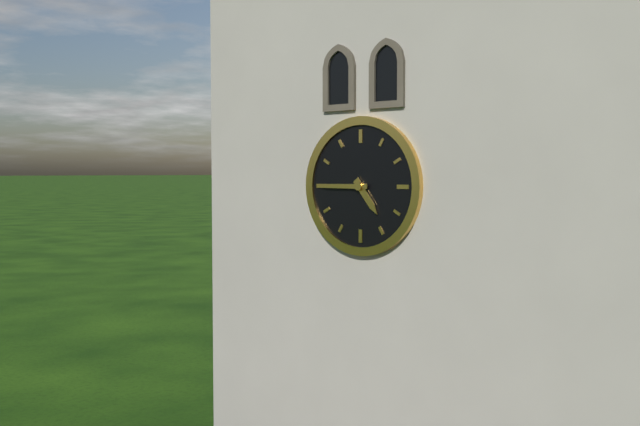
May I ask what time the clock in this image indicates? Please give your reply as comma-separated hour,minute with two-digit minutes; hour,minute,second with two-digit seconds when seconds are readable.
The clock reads 4,45
